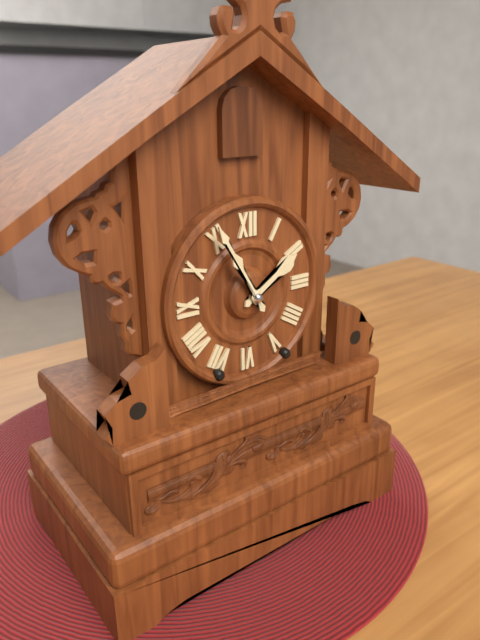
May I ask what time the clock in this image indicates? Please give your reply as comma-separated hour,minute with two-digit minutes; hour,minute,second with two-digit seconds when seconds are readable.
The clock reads 1,55
